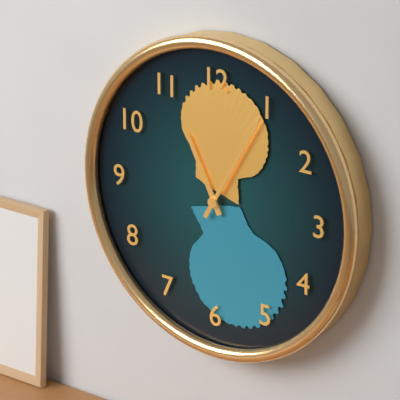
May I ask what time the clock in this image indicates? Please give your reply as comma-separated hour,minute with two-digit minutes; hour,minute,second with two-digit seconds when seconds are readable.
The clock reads 11,05
